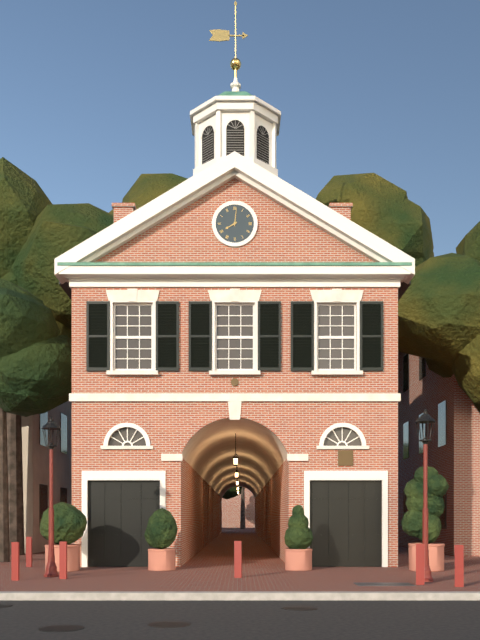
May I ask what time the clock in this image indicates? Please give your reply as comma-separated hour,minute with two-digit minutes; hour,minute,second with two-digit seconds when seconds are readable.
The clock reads 8,01
